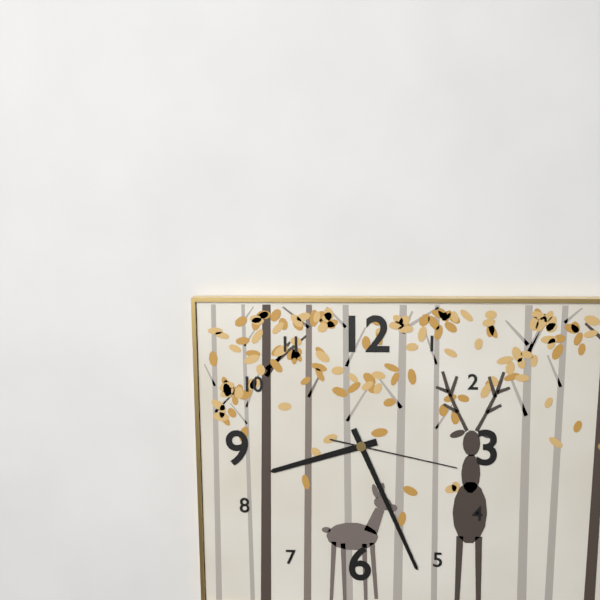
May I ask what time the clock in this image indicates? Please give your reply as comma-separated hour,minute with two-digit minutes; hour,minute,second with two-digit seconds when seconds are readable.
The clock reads 8,26,17
